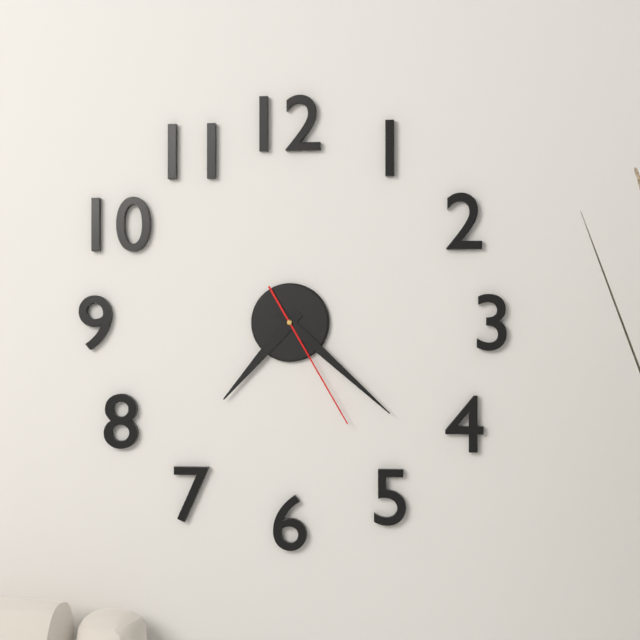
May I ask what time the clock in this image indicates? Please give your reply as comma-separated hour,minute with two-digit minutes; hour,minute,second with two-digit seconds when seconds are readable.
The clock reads 7,22,25
